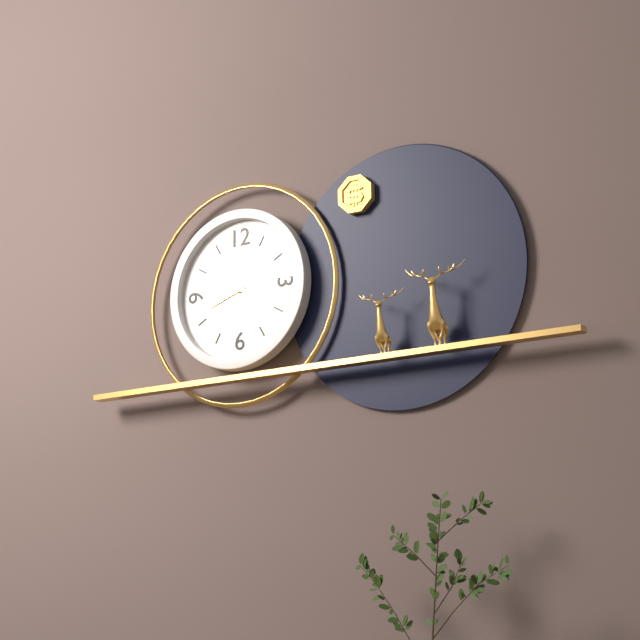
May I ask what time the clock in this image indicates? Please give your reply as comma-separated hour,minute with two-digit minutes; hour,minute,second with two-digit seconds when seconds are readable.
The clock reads 8,19
